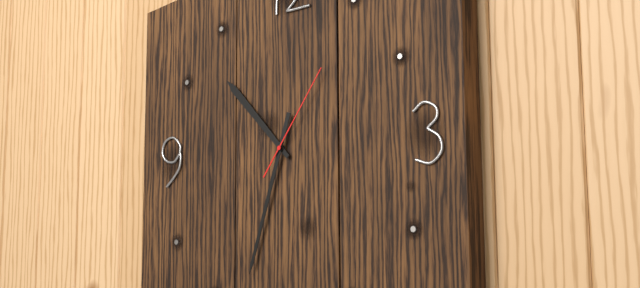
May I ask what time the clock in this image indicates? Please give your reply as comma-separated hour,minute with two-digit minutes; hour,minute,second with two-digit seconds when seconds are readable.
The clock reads 10,33,06
